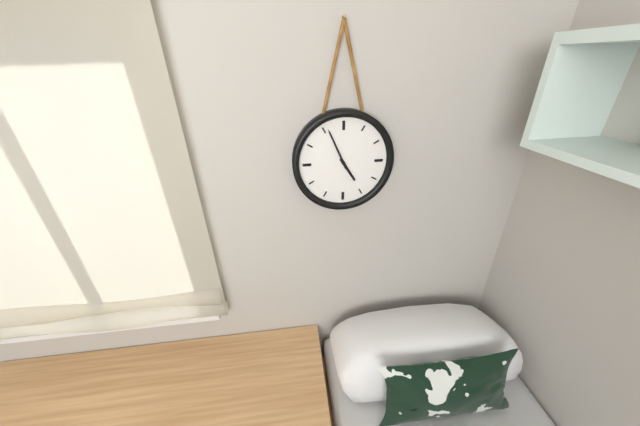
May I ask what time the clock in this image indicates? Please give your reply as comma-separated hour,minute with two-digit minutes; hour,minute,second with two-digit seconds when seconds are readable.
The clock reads 4,56
